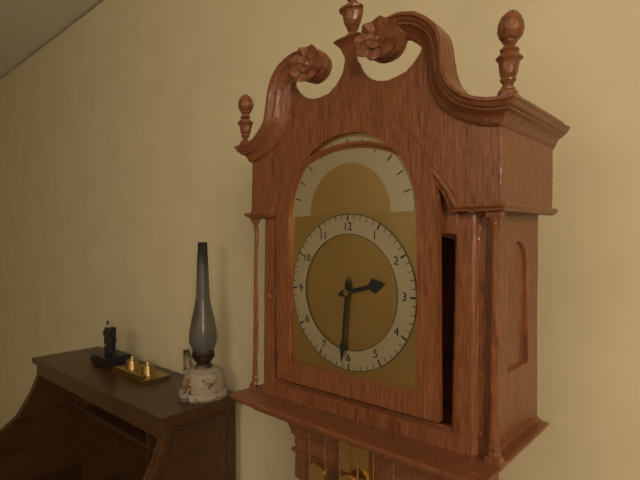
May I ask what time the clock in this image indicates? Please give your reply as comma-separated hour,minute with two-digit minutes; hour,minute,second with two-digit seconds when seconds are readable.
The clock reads 2,31
